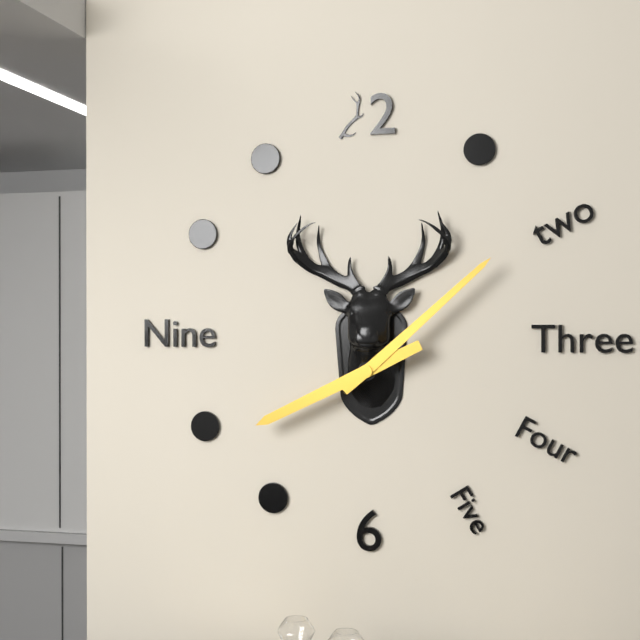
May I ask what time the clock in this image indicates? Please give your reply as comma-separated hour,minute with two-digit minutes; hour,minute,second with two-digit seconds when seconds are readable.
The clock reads 8,08
